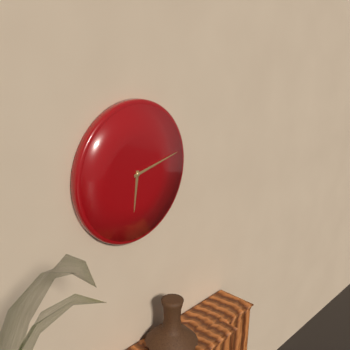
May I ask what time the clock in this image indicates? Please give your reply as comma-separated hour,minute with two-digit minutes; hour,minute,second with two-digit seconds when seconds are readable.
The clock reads 6,13
